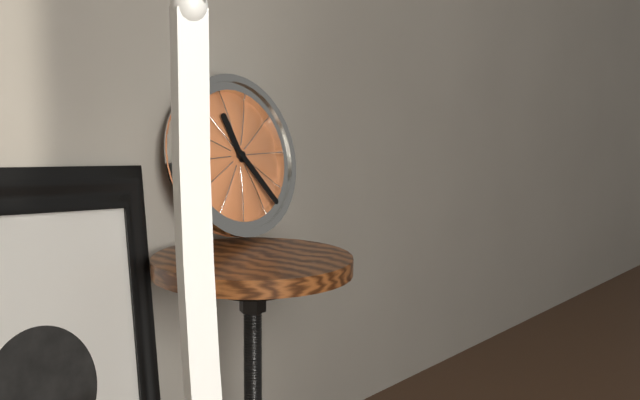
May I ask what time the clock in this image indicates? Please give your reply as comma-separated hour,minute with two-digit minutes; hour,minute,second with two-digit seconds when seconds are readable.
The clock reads 11,24
